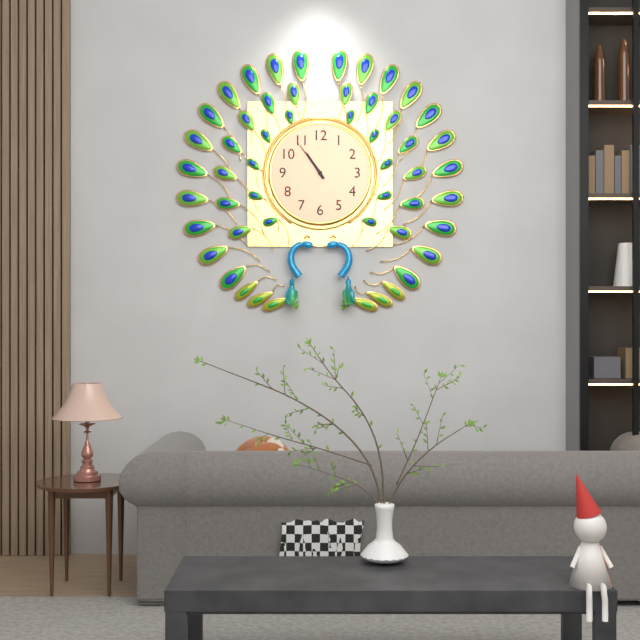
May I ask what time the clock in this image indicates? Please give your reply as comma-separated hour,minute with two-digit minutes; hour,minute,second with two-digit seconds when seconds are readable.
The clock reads 10,54
